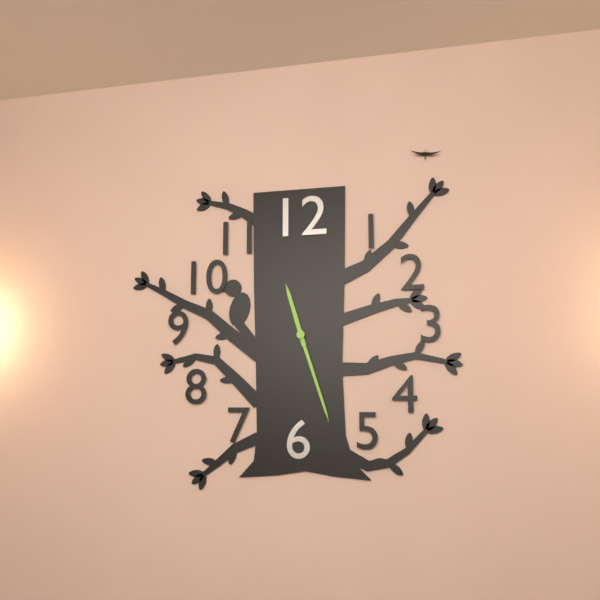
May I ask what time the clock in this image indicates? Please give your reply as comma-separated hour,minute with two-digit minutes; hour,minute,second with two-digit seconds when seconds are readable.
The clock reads 11,27
